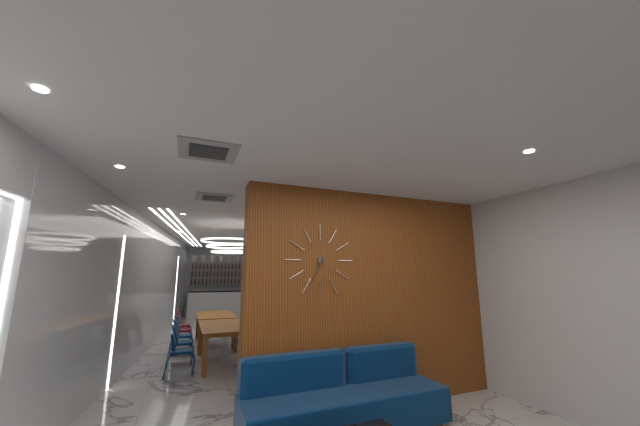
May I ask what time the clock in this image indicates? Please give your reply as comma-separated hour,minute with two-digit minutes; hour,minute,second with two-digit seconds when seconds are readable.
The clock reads 6,34
